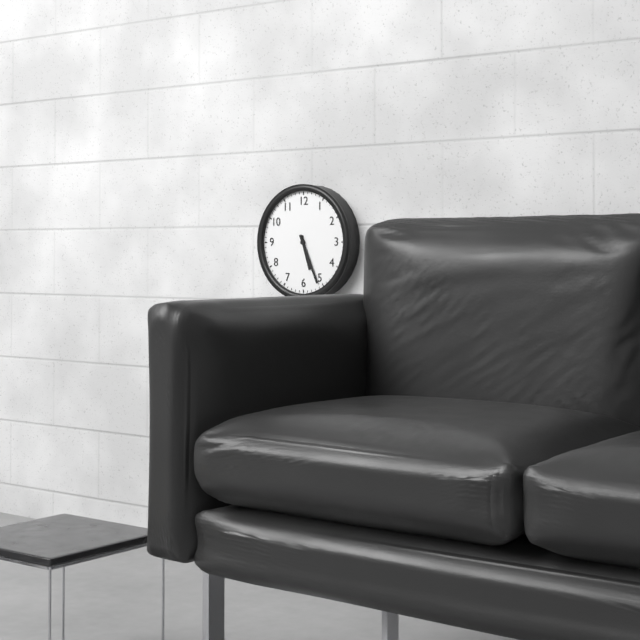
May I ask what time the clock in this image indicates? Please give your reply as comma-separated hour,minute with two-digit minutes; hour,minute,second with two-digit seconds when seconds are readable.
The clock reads 5,26
